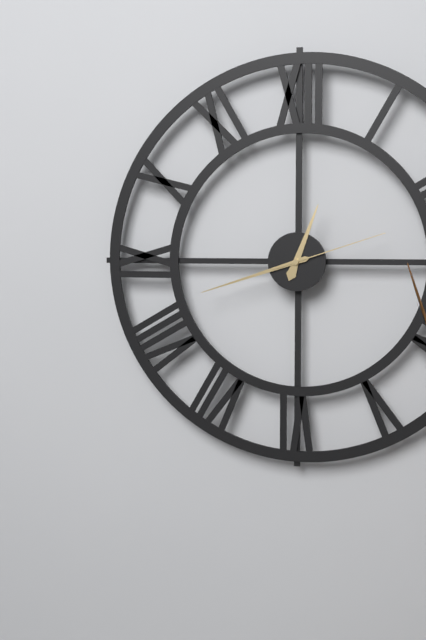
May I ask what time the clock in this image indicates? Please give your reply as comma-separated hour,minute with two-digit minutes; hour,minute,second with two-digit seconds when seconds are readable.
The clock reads 12,42,12
